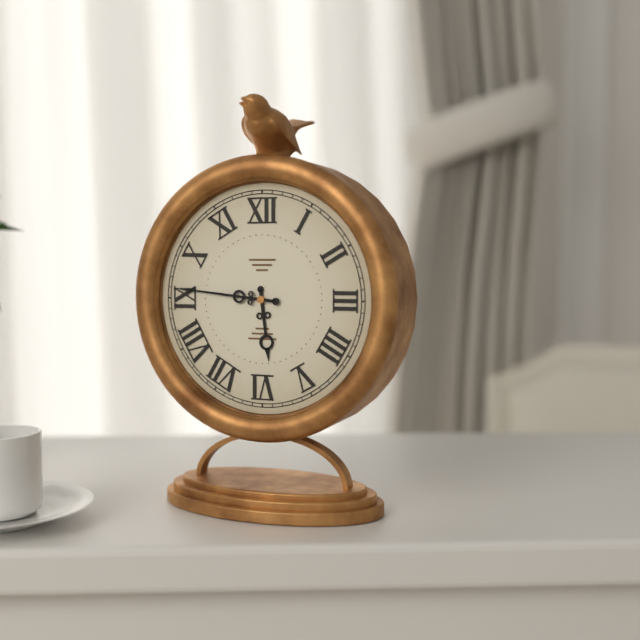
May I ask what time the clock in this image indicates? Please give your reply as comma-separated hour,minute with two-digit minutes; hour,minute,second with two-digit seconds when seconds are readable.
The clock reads 5,46
